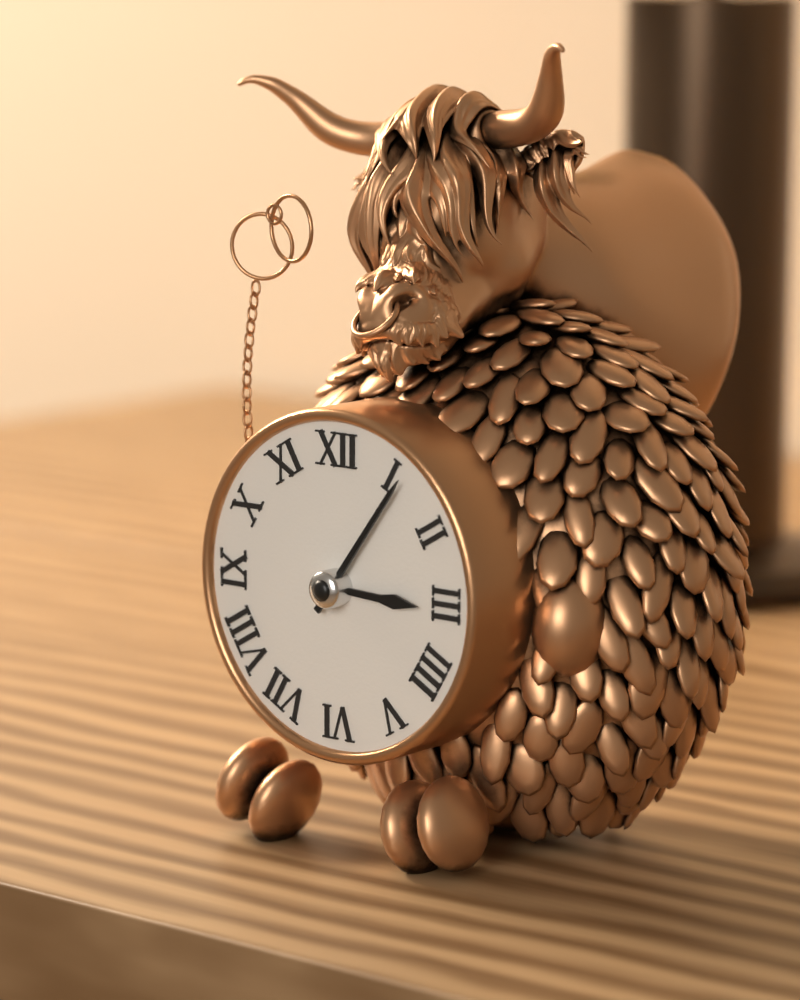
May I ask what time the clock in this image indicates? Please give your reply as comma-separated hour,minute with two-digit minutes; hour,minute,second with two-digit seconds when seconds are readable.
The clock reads 3,06
